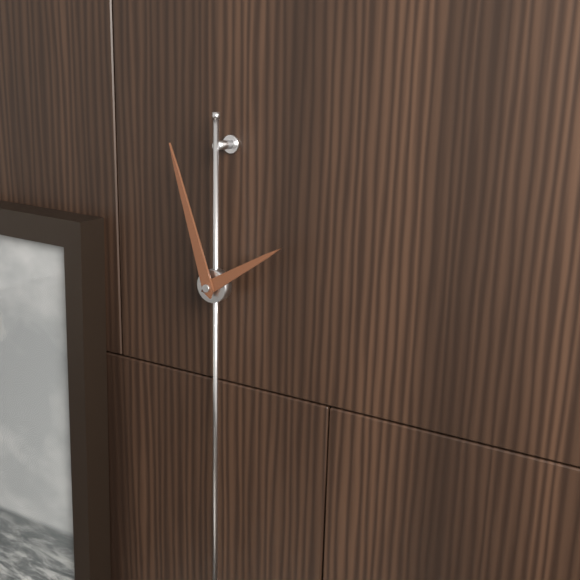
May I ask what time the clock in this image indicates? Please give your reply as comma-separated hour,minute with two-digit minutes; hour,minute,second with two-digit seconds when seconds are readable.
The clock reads 1,57
